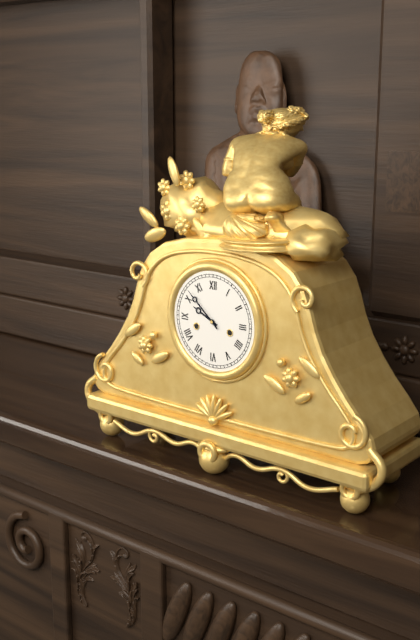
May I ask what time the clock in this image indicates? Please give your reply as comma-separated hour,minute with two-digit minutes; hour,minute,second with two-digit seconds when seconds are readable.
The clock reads 9,52
